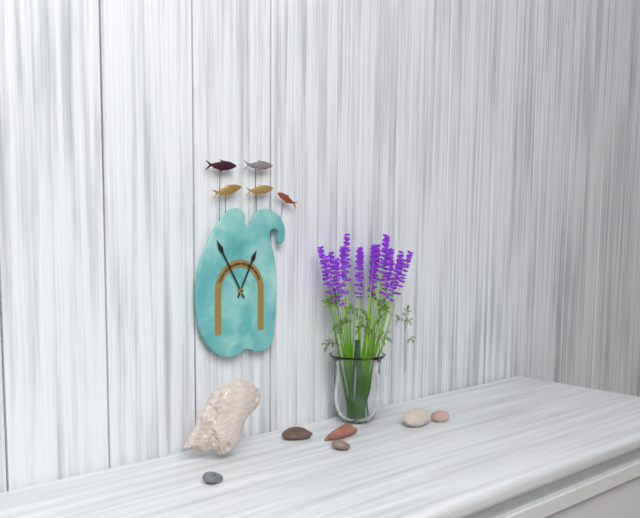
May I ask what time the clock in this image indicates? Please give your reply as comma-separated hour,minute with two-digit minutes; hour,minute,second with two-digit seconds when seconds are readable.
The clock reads 12,55
